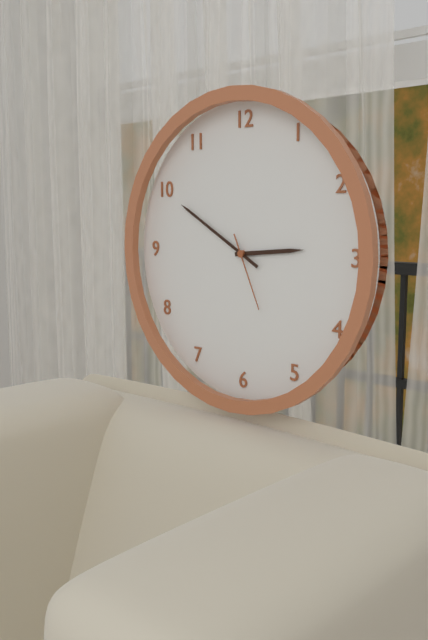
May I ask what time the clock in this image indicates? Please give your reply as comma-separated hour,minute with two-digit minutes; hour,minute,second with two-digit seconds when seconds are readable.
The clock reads 2,50,26
